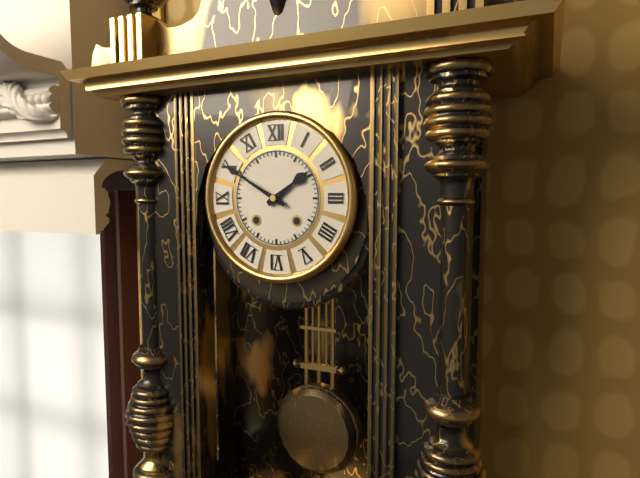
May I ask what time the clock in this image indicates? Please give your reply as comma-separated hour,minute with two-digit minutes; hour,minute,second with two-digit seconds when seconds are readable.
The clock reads 1,50
